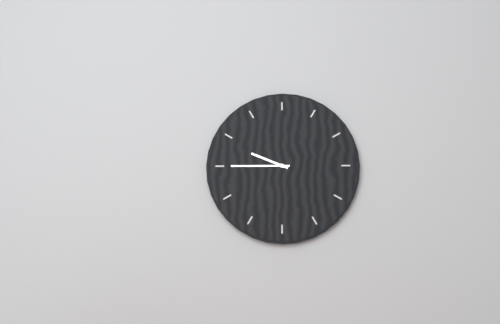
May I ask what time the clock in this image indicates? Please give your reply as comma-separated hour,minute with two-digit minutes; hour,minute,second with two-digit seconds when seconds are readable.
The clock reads 9,45
